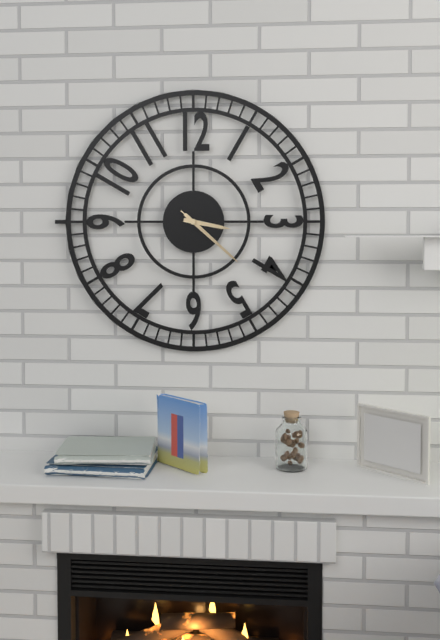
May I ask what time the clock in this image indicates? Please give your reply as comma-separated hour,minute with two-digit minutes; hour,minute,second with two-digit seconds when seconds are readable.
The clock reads 3,22,22
